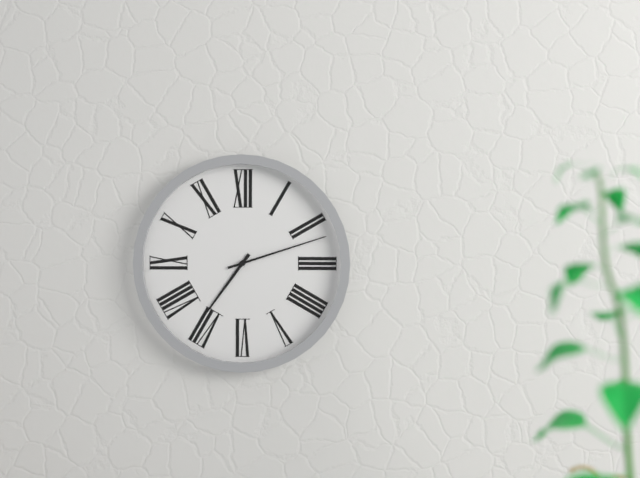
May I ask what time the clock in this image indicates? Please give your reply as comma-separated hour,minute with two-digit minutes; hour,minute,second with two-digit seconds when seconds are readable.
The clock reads 7,12
